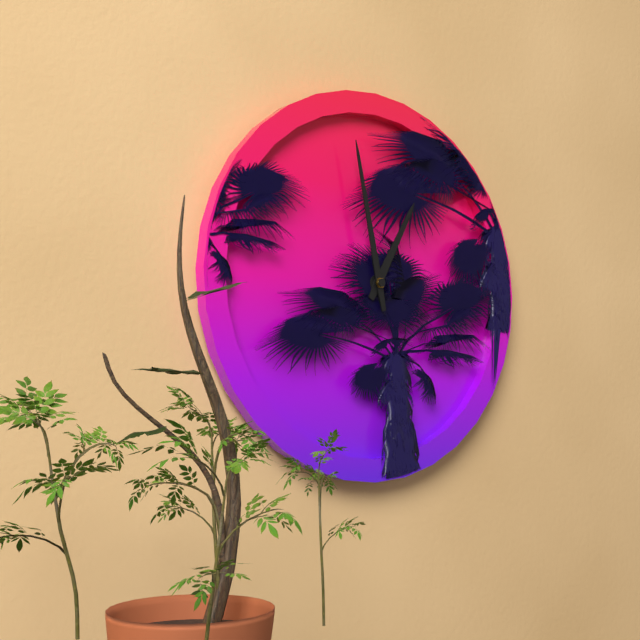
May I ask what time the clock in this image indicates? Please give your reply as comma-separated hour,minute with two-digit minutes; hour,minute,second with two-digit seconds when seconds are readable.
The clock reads 12,58
